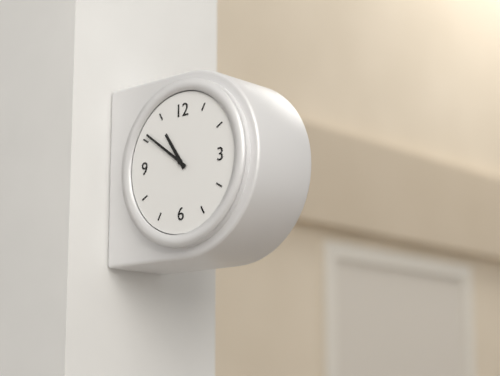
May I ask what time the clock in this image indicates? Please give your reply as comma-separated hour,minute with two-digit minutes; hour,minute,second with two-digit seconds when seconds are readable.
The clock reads 10,51
